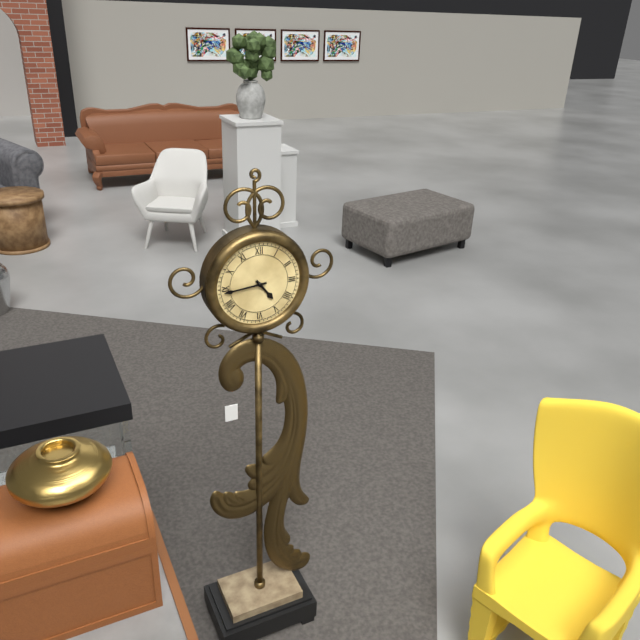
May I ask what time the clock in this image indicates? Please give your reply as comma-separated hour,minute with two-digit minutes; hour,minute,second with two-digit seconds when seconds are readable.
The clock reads 4,44
